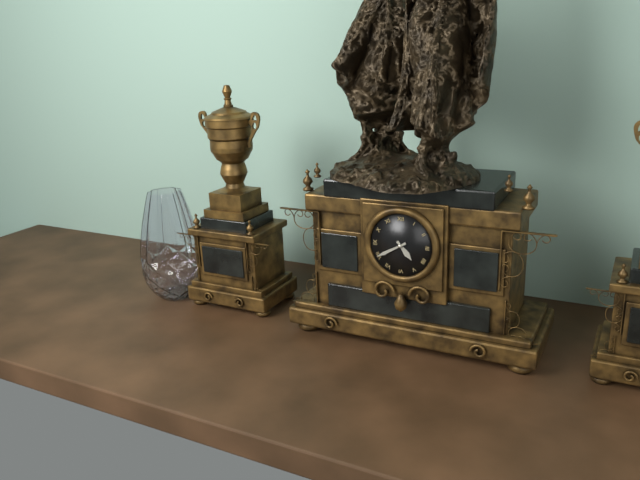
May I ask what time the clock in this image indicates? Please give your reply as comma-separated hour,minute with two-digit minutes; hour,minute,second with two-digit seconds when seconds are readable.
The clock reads 4,40
